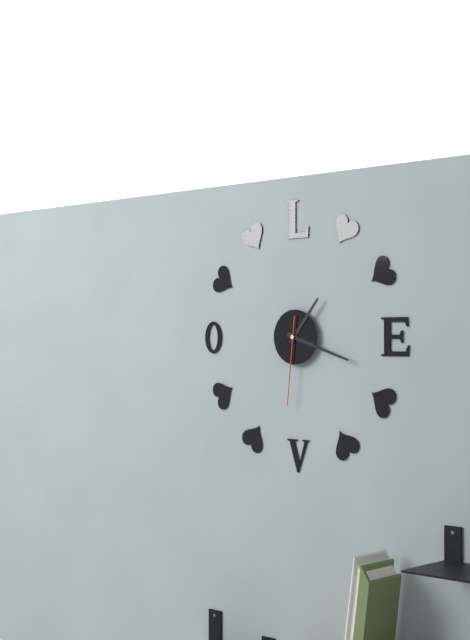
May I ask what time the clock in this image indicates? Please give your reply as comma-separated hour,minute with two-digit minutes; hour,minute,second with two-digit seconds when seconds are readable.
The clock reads 1,18,31
